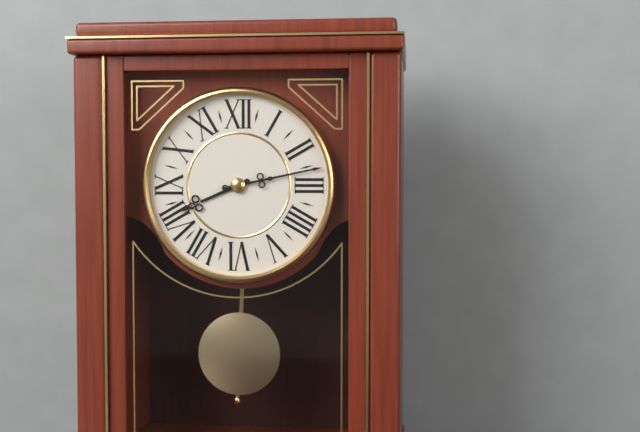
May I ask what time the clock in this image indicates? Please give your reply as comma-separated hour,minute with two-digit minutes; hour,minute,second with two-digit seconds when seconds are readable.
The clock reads 8,13
